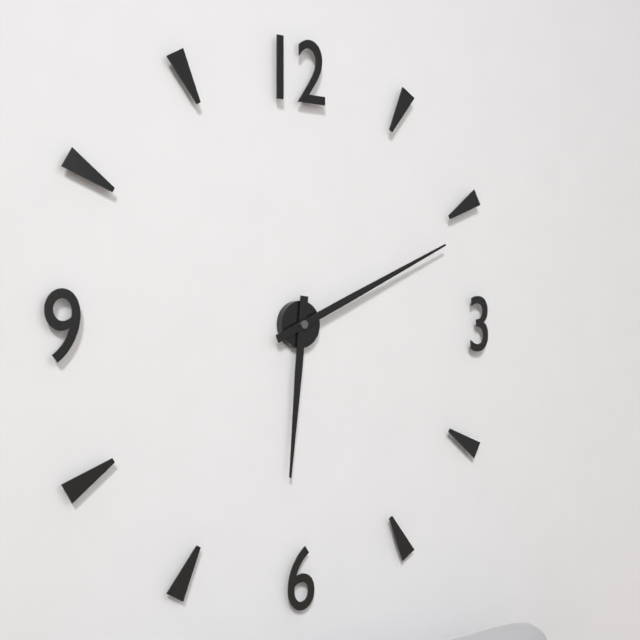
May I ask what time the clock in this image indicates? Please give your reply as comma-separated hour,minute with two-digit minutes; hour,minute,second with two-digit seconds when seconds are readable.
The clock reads 6,11
